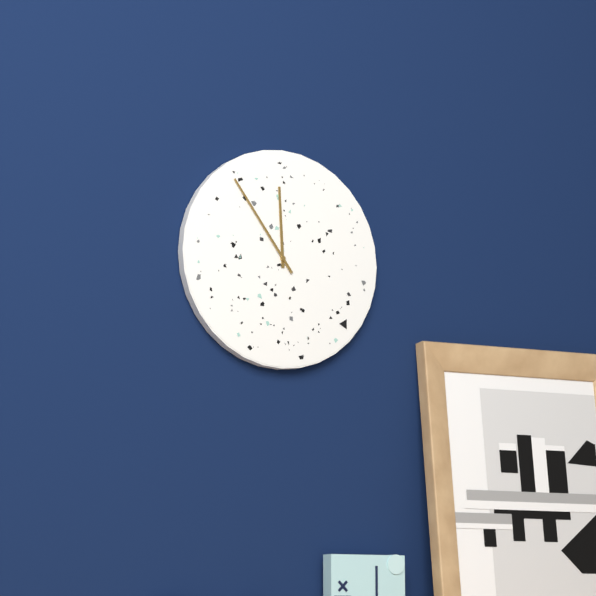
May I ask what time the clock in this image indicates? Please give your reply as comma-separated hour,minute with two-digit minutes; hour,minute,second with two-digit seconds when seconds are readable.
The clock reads 11,54
